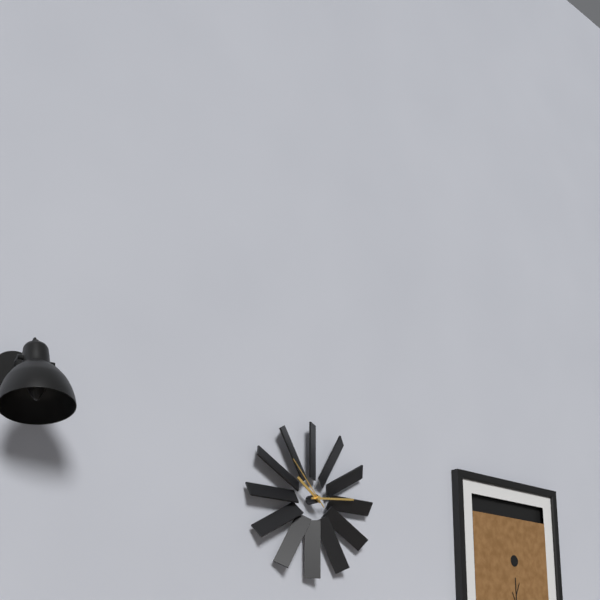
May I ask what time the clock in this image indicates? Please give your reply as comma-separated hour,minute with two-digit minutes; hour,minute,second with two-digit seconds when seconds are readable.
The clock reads 10,14,53
